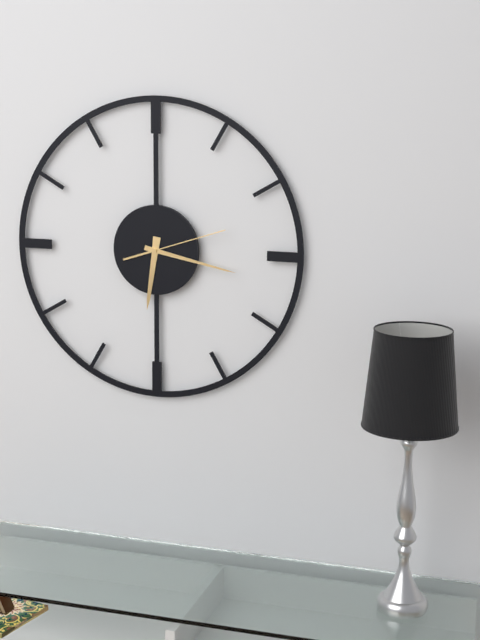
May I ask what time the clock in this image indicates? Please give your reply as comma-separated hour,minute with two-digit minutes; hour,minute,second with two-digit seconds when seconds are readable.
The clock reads 6,17,12
